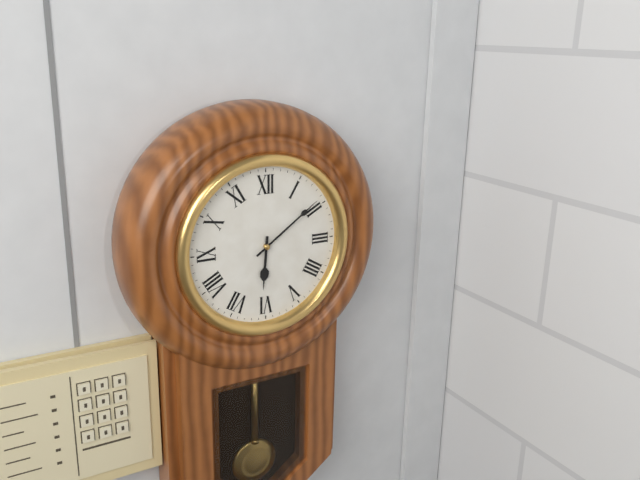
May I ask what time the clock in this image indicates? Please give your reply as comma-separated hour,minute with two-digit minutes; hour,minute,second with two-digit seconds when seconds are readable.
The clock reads 6,09
